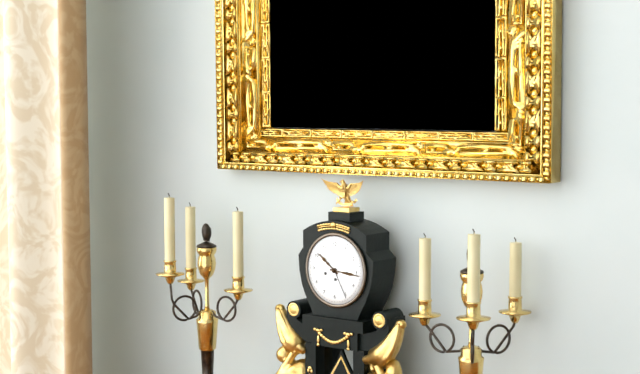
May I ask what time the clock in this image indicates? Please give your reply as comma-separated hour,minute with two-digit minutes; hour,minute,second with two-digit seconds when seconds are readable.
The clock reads 10,16
